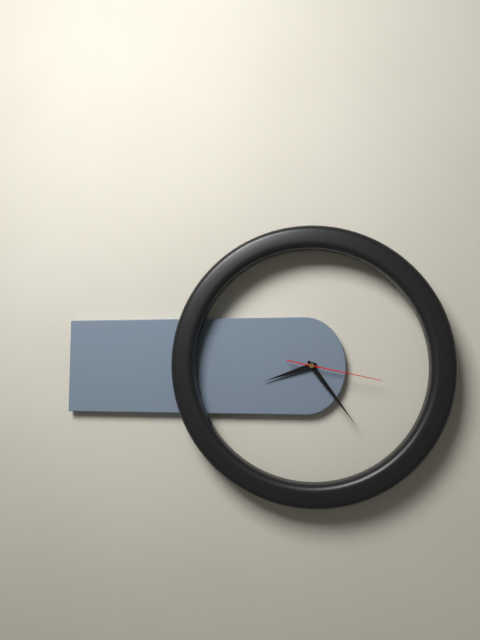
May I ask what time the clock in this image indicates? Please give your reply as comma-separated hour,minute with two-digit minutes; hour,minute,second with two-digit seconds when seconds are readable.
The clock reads 8,24,17
